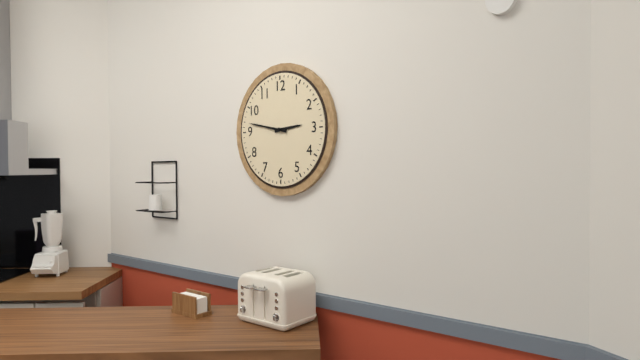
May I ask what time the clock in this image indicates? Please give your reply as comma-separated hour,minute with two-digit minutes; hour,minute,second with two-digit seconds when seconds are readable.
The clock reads 2,47
